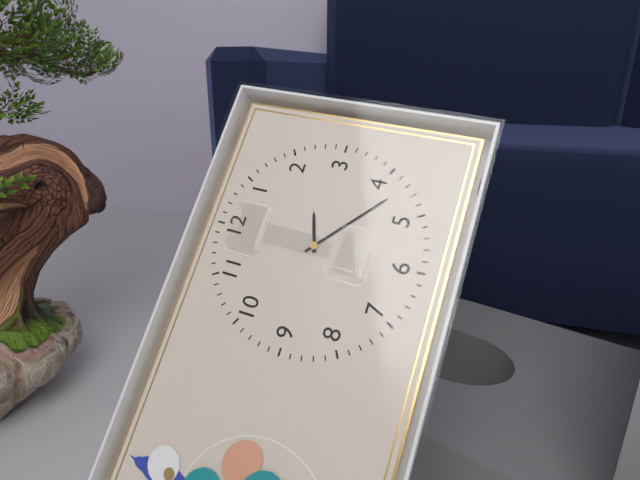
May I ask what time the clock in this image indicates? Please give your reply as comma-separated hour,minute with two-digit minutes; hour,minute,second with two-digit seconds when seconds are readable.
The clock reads 2,22
